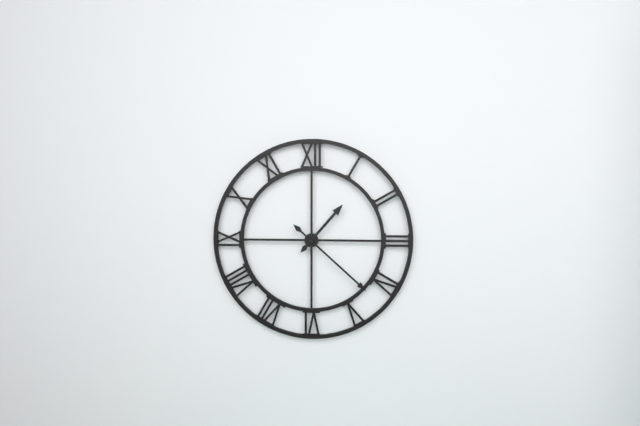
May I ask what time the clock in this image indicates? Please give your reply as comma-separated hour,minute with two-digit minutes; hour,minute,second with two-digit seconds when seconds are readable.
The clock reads 1,22
